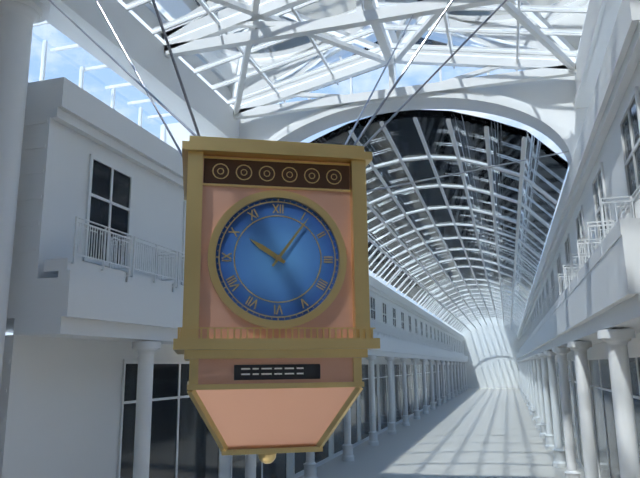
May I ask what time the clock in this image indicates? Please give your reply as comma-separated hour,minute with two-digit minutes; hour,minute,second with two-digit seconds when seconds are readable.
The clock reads 10,06
